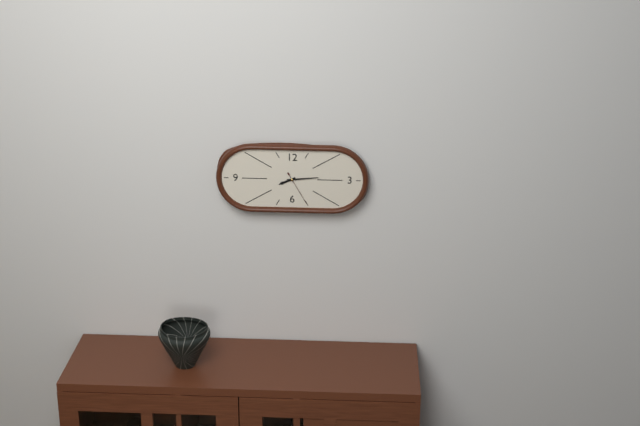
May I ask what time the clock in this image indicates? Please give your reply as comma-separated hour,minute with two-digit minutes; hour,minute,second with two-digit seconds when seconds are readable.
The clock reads 8,14
